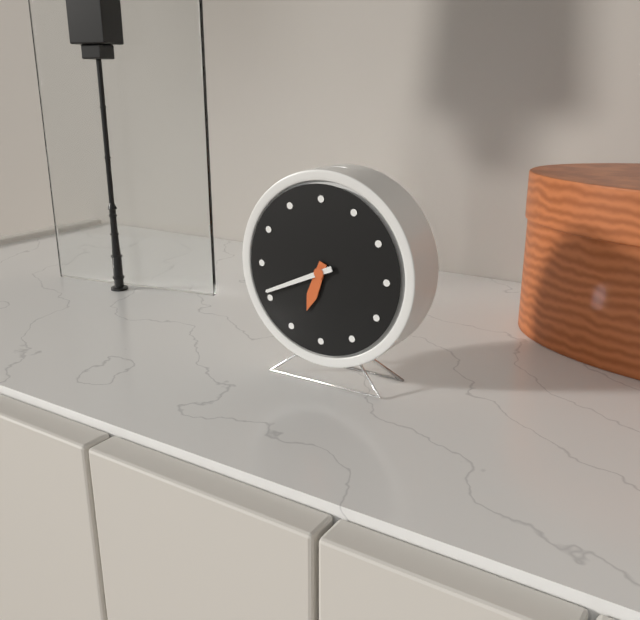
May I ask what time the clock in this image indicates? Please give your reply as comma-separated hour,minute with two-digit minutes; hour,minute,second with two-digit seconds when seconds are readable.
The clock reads 6,41
